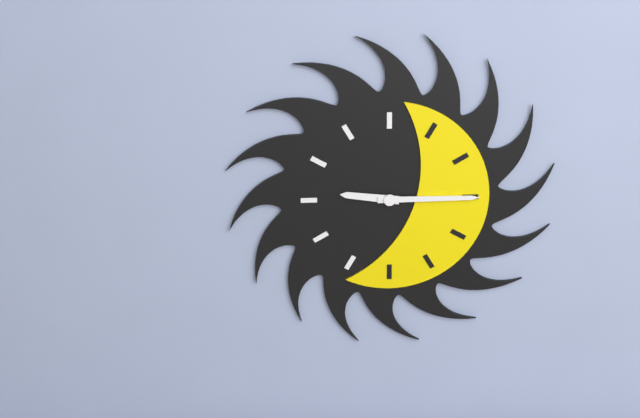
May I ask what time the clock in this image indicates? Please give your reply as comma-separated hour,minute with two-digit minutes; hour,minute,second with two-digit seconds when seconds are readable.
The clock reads 9,15
